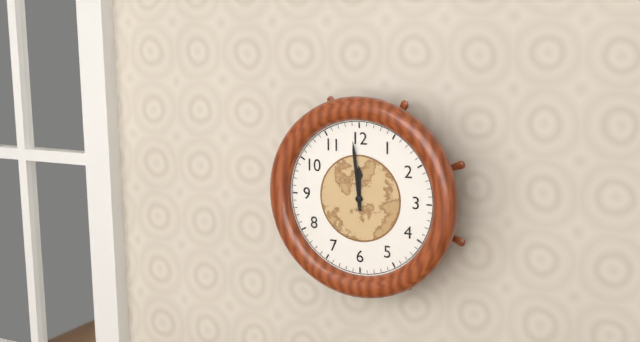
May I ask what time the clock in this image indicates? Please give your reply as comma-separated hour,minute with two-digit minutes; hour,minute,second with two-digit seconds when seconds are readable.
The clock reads 11,59
